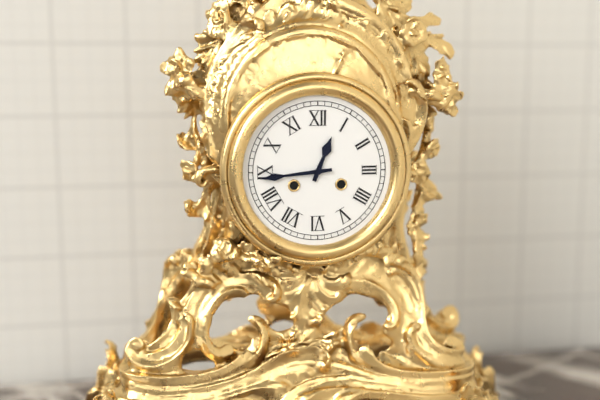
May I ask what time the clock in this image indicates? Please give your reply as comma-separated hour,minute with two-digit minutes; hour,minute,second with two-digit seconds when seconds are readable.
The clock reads 12,44
